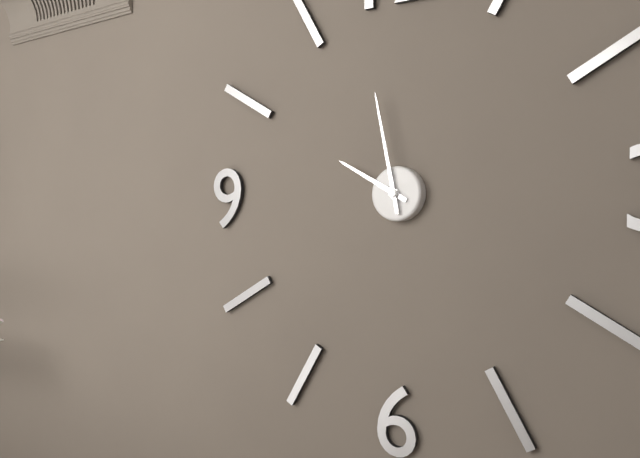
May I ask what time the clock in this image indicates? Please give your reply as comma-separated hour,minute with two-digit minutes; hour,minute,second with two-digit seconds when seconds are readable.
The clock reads 9,58
